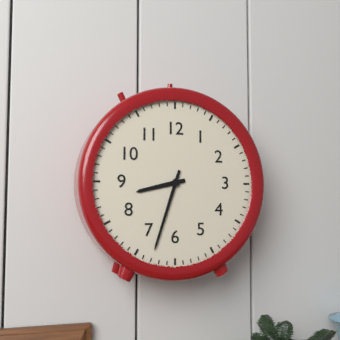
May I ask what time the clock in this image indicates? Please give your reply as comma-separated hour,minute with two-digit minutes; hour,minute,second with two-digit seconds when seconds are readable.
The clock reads 8,33
